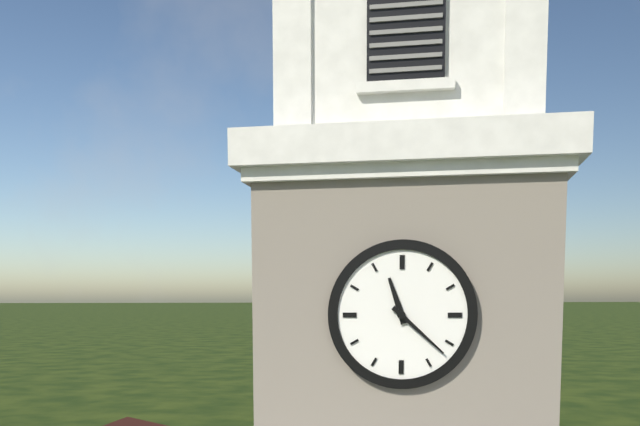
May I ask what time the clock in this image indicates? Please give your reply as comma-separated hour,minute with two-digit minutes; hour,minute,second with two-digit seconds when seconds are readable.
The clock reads 11,22
